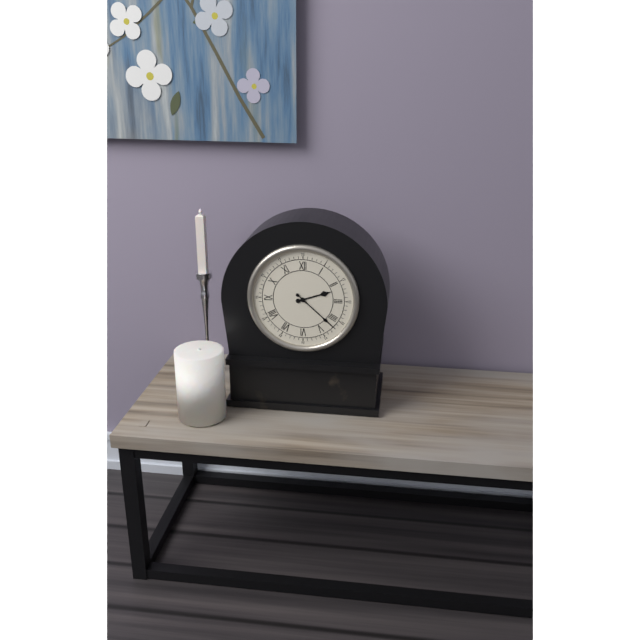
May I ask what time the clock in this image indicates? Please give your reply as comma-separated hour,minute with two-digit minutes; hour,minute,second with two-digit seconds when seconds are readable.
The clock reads 2,22
